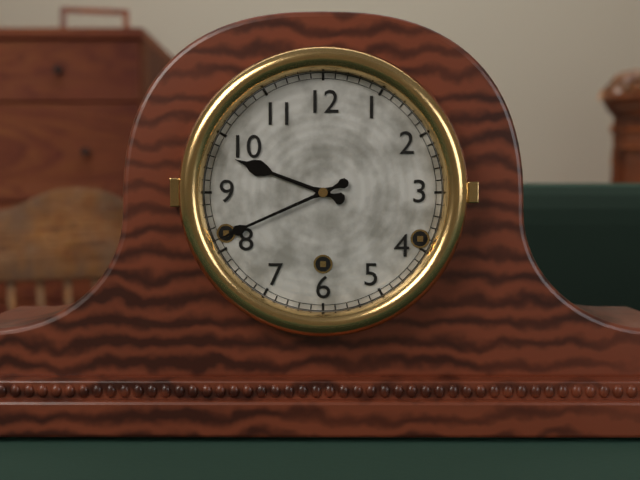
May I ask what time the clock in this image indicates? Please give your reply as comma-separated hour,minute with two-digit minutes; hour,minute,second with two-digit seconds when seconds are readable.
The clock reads 9,41
